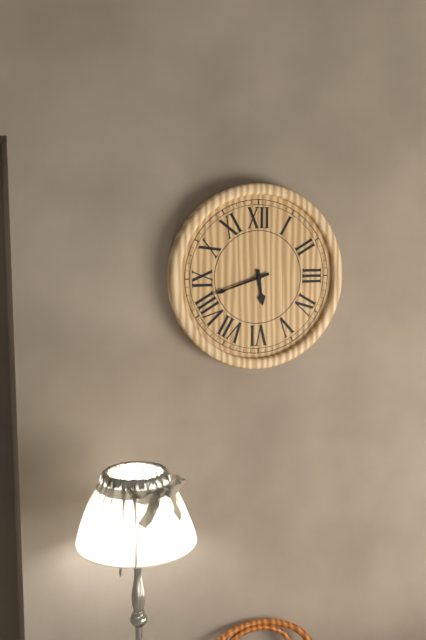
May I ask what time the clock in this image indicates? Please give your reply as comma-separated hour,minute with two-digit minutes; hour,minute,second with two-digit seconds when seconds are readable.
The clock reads 5,42
